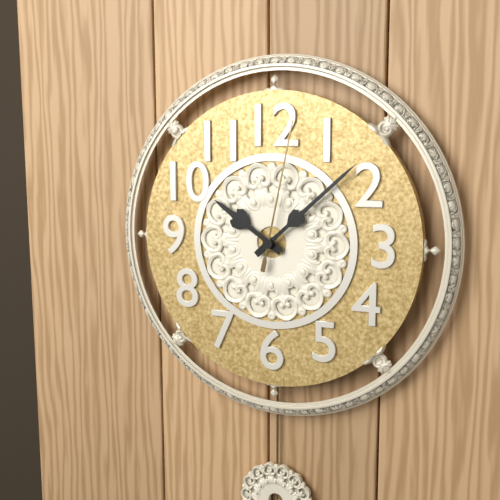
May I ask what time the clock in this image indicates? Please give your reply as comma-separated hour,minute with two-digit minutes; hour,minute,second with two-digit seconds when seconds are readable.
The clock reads 10,08,02
